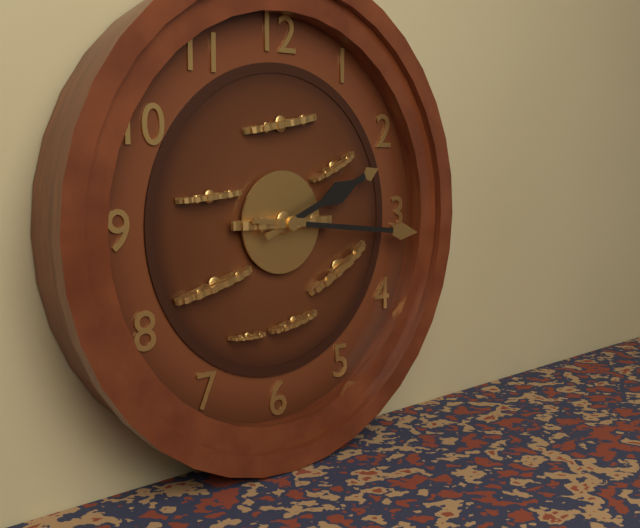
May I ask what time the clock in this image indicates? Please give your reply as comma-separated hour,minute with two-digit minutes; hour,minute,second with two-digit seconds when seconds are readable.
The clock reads 2,16
